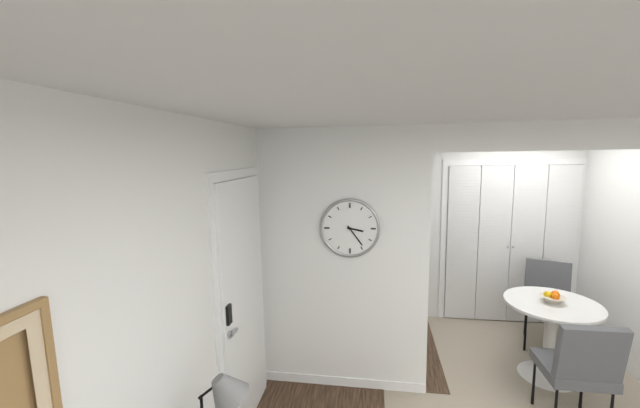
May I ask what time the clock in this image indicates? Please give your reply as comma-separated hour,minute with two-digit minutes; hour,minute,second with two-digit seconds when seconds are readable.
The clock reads 3,24
